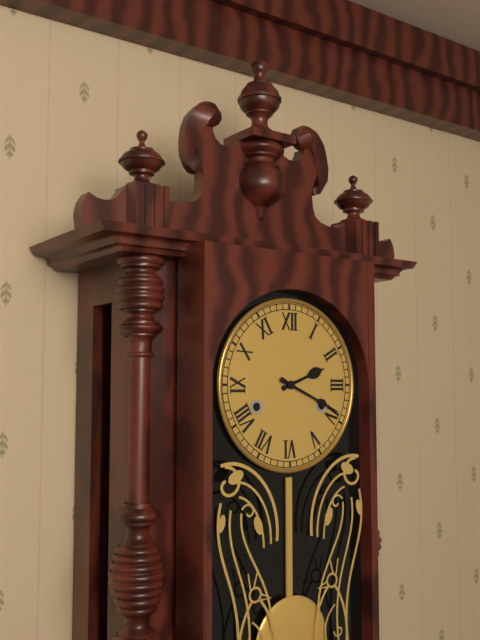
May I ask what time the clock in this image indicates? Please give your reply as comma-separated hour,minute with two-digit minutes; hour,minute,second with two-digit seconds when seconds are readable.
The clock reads 2,19
